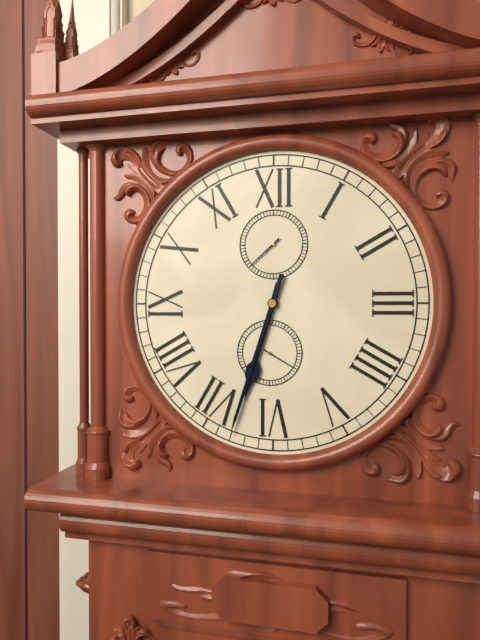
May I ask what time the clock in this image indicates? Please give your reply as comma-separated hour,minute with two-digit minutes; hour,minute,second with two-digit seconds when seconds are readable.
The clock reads 6,33
